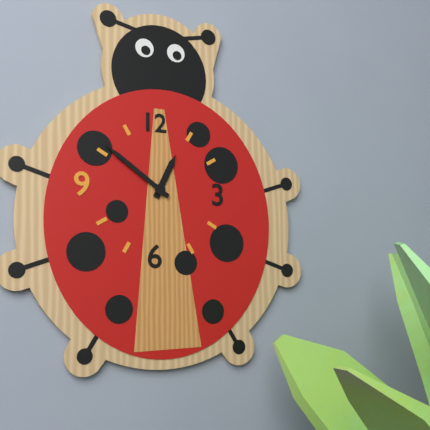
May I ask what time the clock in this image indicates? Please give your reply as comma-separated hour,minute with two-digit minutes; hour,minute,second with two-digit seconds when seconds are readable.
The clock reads 12,51
